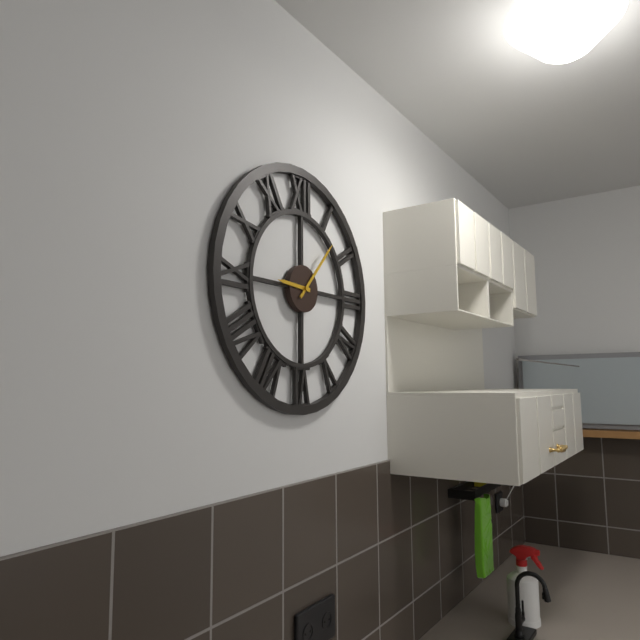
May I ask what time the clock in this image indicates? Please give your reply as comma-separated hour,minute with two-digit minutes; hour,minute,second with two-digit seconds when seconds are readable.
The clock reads 9,07
